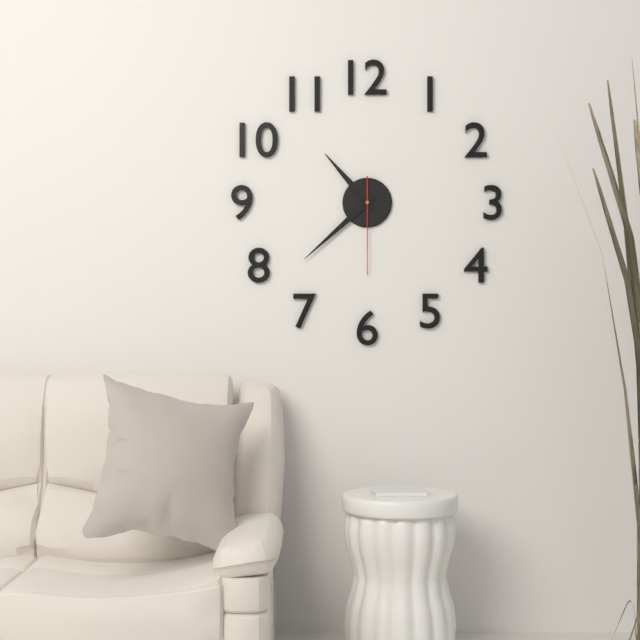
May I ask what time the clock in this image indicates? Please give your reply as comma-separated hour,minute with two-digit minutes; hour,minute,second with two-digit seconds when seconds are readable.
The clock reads 10,38,30
